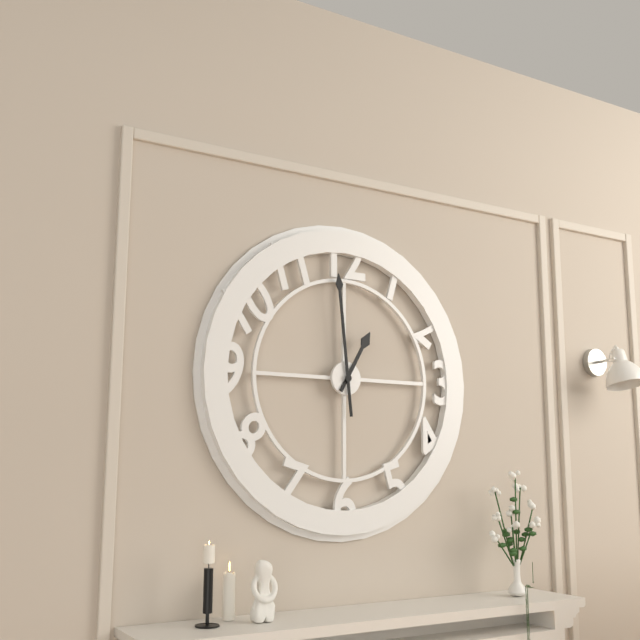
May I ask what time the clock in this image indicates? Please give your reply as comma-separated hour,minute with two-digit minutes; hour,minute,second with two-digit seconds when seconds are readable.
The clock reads 12,59
